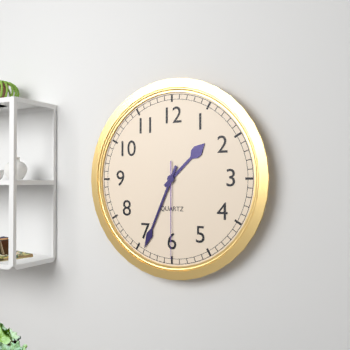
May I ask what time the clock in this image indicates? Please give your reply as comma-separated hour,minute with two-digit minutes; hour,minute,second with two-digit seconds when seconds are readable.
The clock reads 1,34,30
